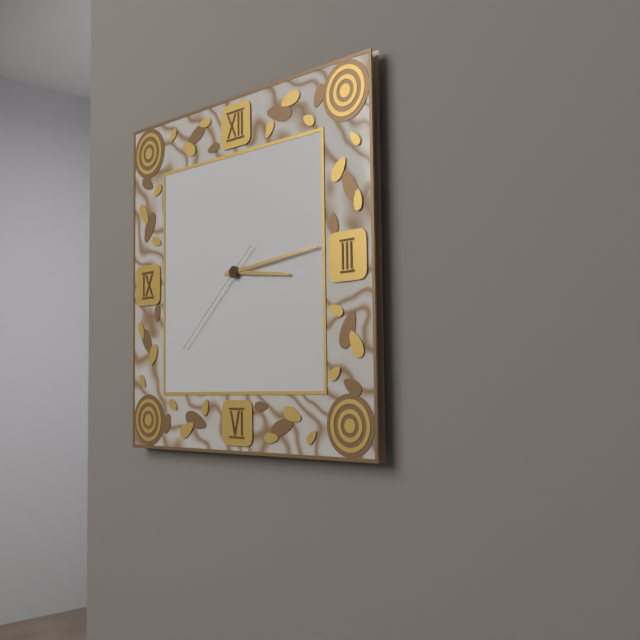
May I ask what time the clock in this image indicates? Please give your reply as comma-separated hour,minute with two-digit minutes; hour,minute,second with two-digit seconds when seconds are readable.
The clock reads 3,14,38
